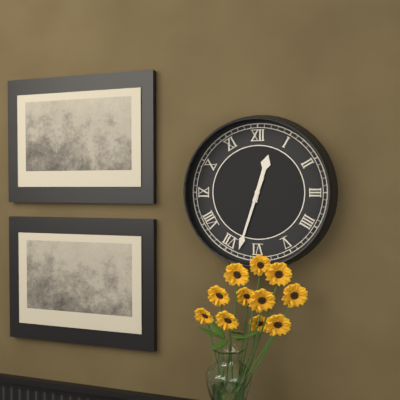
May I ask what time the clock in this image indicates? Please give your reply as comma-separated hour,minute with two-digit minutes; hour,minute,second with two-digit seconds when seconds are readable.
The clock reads 12,33
